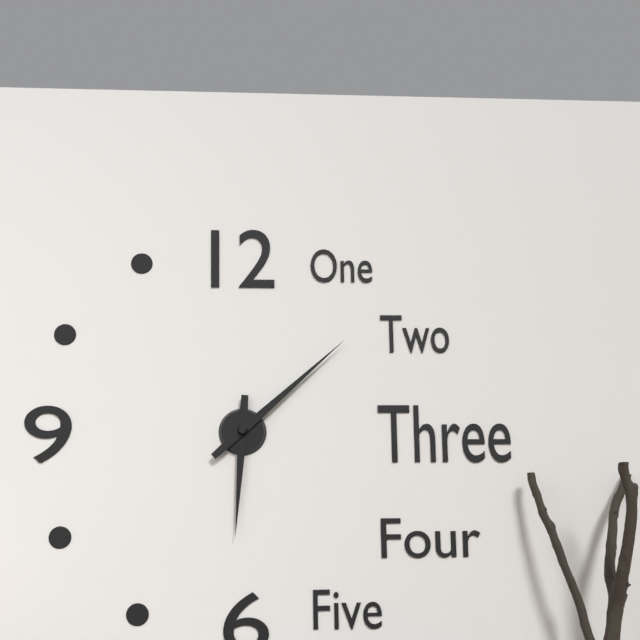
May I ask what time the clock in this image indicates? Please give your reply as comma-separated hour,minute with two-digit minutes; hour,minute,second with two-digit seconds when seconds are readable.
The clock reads 6,08
